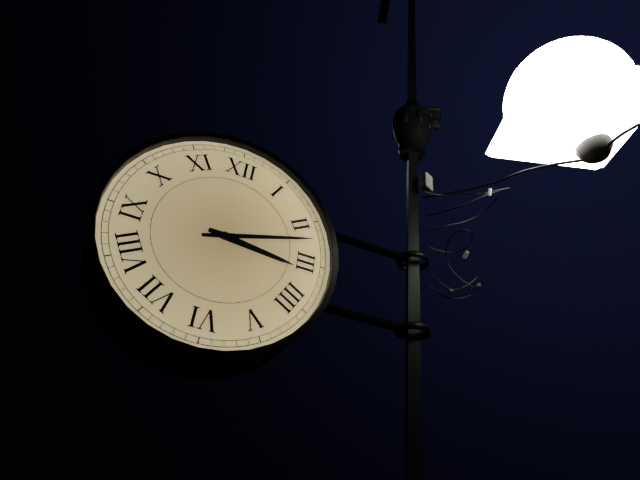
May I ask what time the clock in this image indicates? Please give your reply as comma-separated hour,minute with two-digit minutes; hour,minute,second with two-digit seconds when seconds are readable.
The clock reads 3,12
